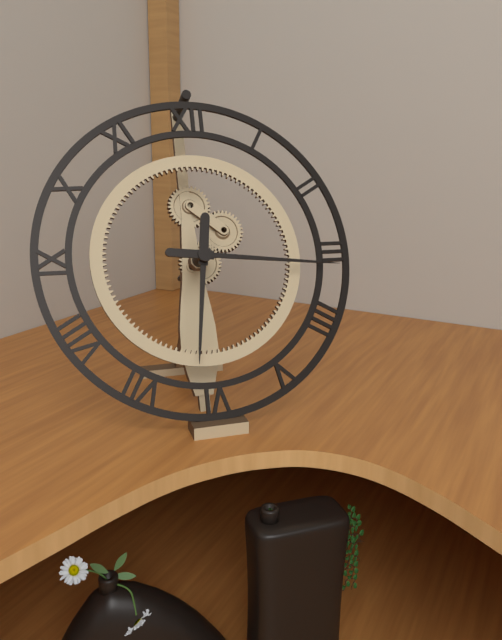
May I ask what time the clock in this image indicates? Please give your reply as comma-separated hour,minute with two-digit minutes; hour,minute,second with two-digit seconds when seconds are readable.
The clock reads 6,16
